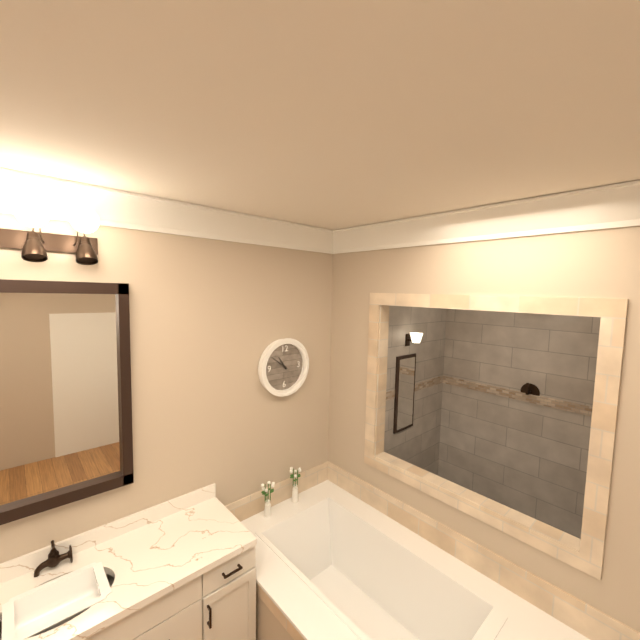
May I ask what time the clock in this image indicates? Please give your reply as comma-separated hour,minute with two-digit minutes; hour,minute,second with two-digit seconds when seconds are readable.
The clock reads 10,51
